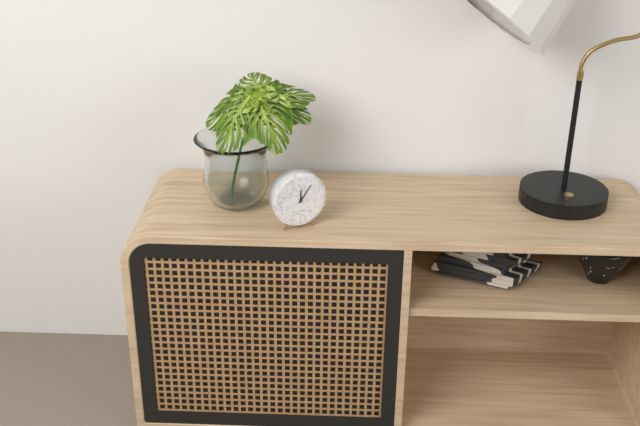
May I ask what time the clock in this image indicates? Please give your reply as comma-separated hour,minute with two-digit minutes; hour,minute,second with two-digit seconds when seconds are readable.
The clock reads 12,06
